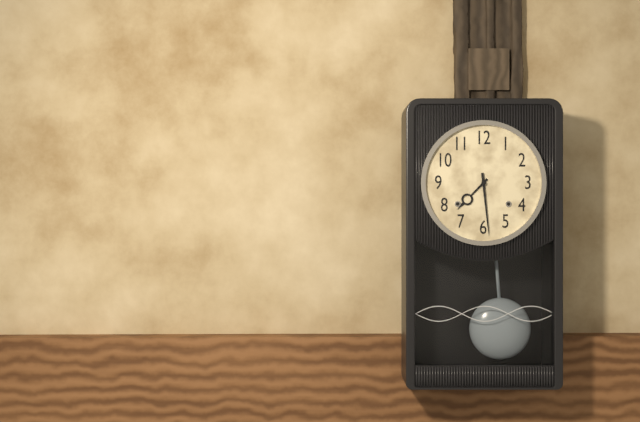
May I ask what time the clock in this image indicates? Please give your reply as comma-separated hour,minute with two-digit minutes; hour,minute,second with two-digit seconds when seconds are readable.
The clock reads 7,29
